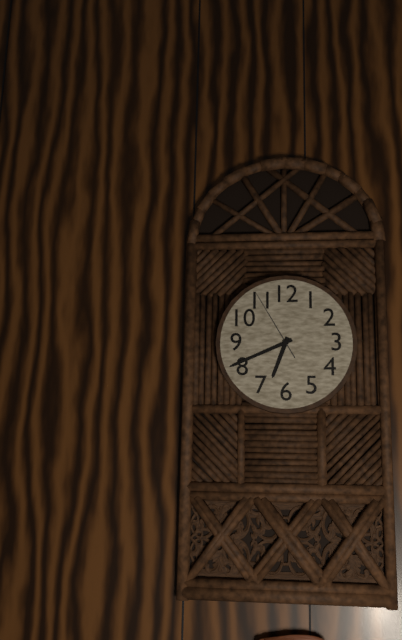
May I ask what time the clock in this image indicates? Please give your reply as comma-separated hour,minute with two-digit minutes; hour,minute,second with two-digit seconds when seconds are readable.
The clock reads 6,41,55
